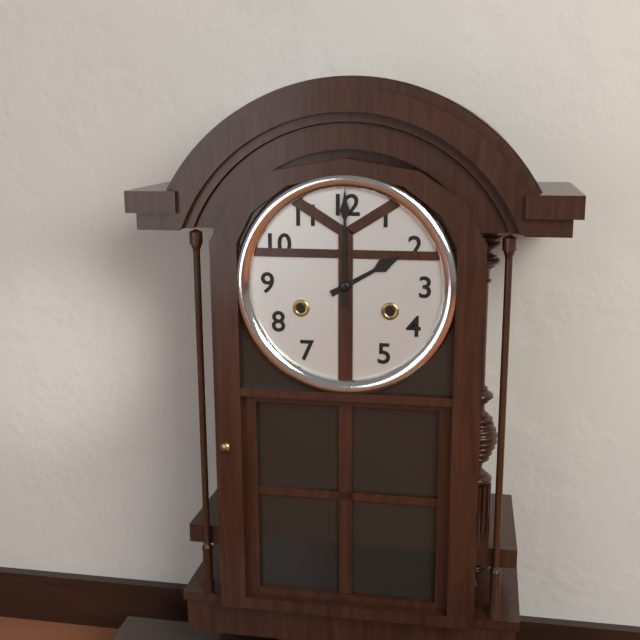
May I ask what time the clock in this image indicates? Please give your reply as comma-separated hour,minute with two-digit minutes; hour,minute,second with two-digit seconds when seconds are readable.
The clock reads 2,00
